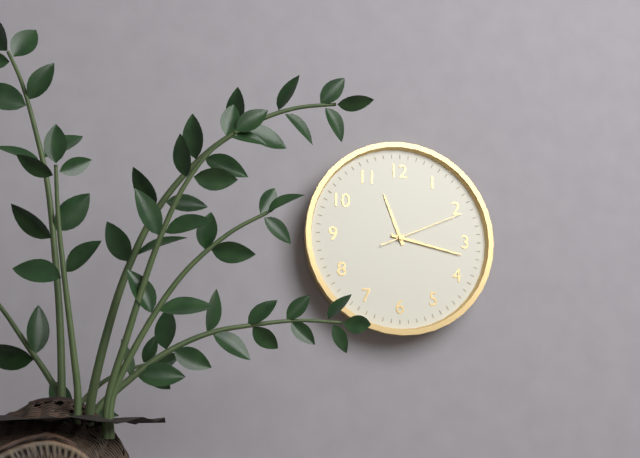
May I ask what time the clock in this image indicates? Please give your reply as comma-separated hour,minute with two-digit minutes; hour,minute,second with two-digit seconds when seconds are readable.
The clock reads 11,17,11
